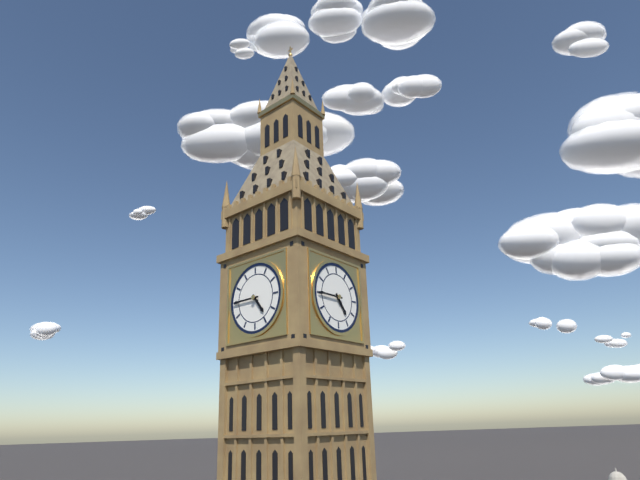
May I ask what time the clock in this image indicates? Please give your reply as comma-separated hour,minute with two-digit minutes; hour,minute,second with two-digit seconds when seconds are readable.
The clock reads 4,45
